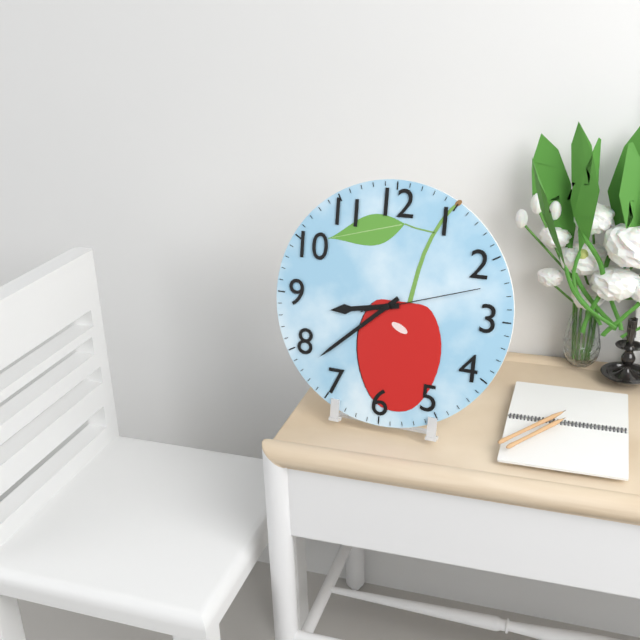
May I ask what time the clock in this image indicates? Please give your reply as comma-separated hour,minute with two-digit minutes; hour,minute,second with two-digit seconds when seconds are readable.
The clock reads 8,38,12
